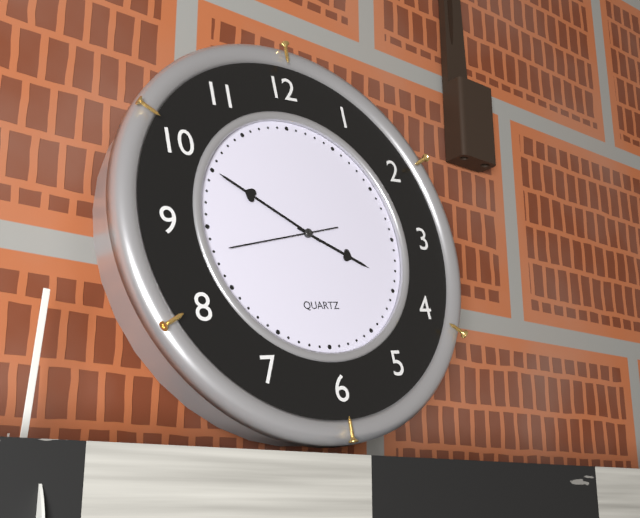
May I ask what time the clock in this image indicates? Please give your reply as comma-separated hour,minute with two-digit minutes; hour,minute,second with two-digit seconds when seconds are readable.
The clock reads 3,50,43
